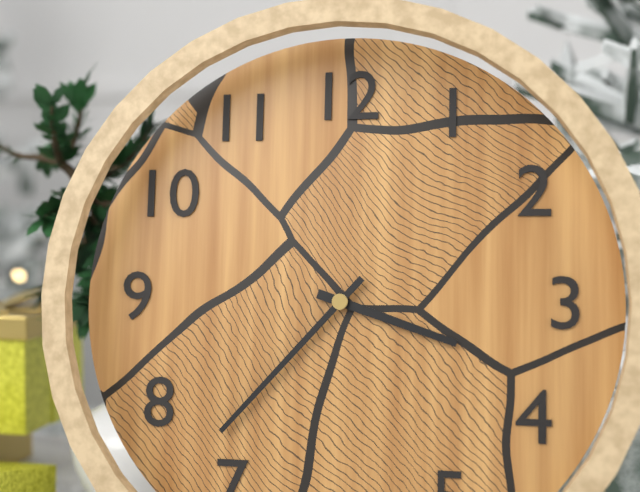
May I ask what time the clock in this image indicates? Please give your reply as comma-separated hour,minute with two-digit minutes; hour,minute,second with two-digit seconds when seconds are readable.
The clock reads 3,37
